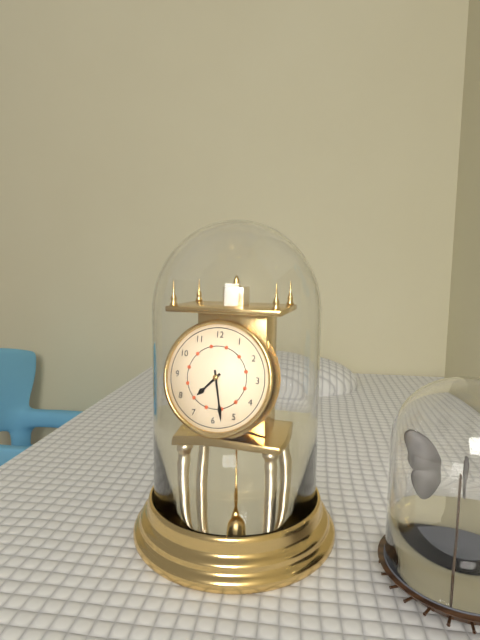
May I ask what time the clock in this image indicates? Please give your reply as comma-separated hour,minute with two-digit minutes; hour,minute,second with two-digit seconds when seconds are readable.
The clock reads 7,28
